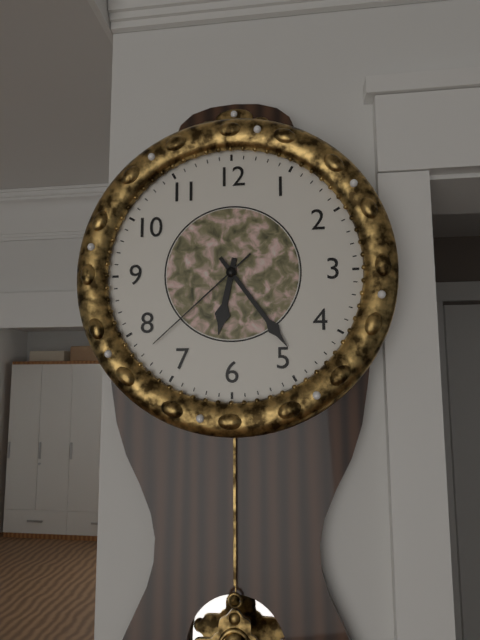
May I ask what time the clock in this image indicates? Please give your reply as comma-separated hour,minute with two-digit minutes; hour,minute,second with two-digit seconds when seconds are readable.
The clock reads 6,24,38
